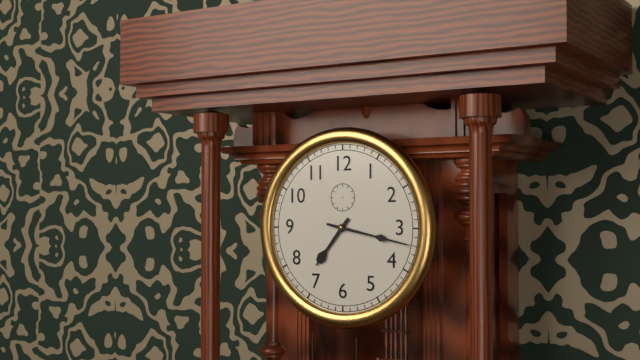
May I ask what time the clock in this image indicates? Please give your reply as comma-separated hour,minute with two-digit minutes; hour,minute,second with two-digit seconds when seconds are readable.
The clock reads 7,17
